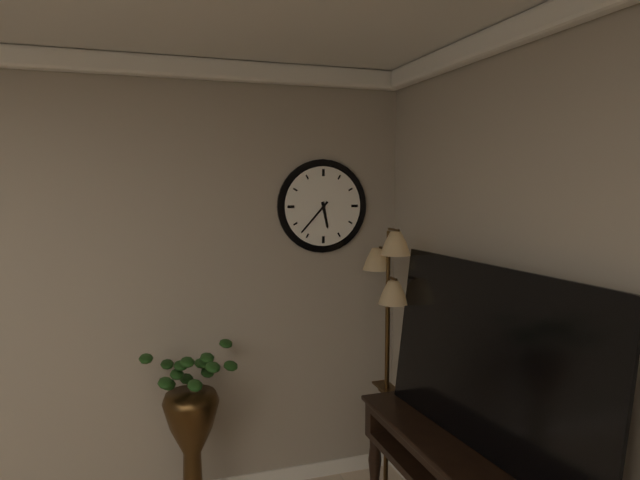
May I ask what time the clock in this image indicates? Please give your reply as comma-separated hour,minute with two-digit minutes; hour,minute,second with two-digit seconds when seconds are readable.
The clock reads 5,37
